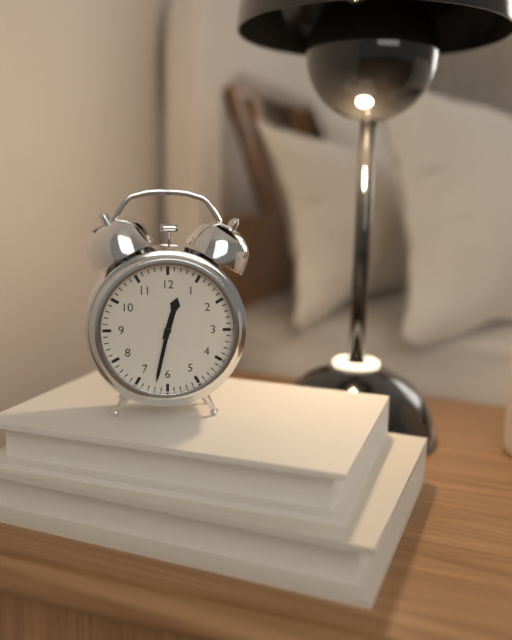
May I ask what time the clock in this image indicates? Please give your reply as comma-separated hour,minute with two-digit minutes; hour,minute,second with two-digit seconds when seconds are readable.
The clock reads 12,32
